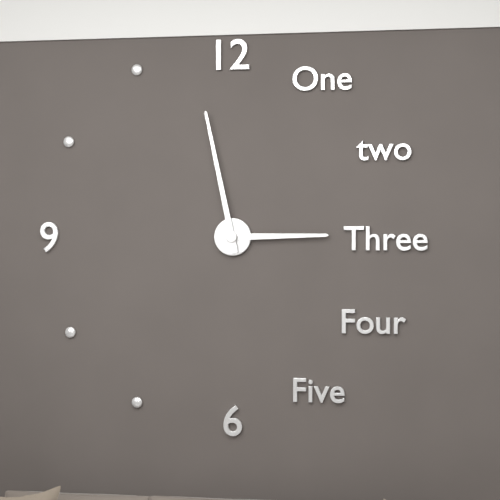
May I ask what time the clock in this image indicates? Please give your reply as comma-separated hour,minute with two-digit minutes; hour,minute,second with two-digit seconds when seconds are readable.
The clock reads 2,58
